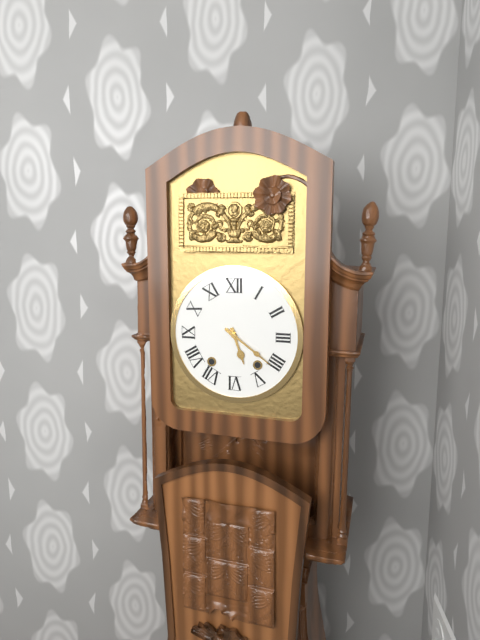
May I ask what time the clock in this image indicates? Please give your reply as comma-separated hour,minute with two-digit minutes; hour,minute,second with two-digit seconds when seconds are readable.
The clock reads 5,21
